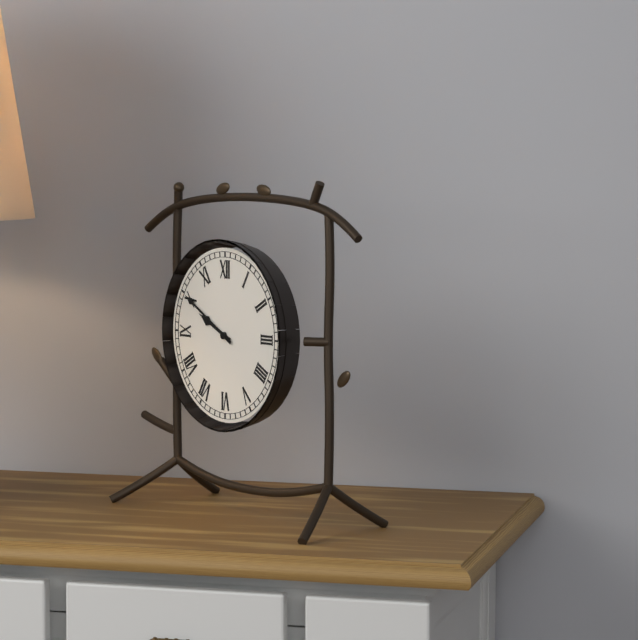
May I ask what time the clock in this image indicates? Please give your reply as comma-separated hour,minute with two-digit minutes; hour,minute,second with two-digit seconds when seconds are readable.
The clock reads 9,50
